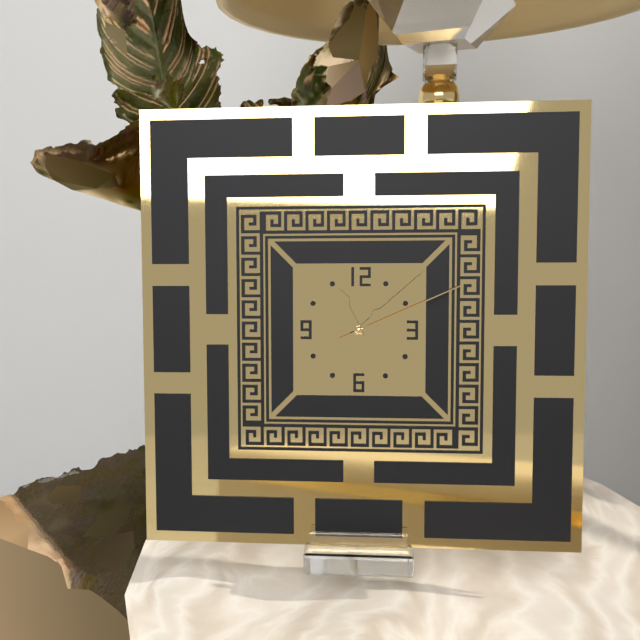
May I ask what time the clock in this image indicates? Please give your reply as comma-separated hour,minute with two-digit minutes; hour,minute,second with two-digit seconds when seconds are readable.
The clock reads 11,08,11
